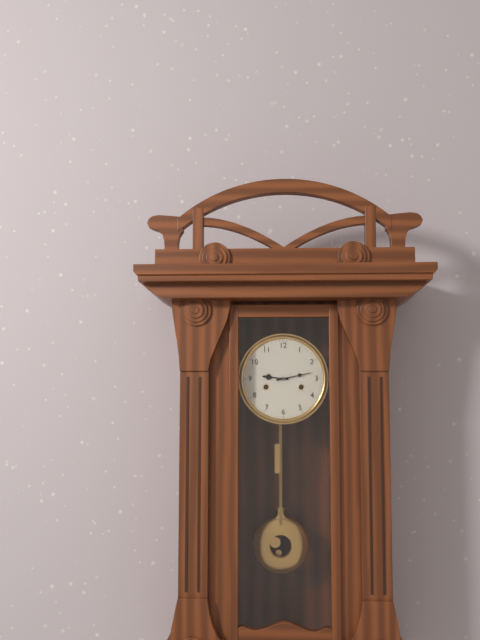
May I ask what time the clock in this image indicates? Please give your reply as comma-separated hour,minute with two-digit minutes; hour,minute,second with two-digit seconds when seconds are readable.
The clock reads 9,13
